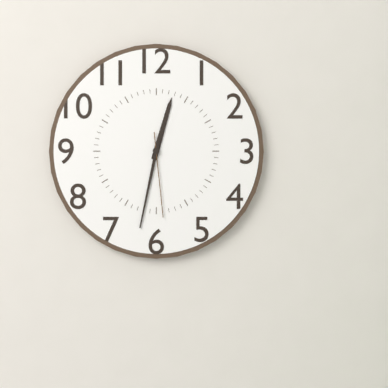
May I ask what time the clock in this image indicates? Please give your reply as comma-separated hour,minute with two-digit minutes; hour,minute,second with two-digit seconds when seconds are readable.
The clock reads 12,32,29
